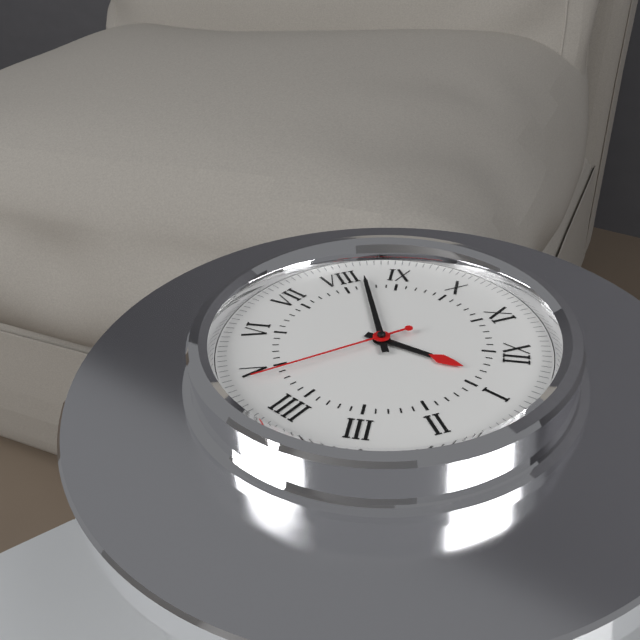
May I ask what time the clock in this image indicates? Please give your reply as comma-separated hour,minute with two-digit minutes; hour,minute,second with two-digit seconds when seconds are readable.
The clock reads 12,42,24
